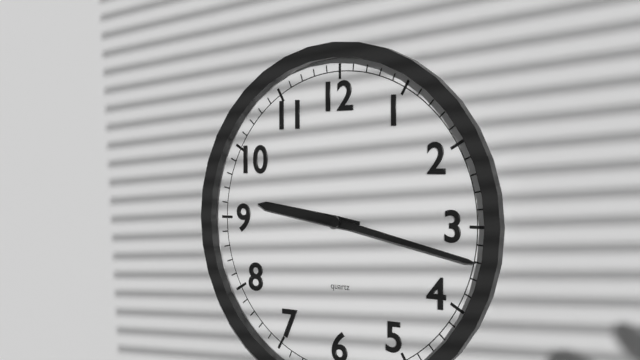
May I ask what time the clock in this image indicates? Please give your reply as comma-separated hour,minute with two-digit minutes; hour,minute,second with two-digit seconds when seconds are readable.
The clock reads 9,17
